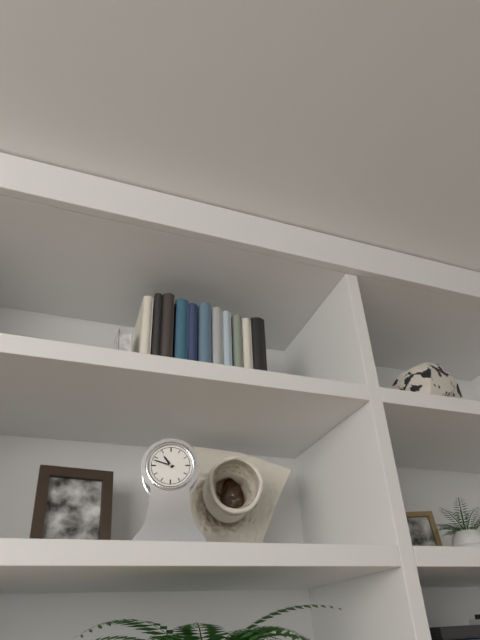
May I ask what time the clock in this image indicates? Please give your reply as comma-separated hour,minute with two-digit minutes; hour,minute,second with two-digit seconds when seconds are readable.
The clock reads 10,48
